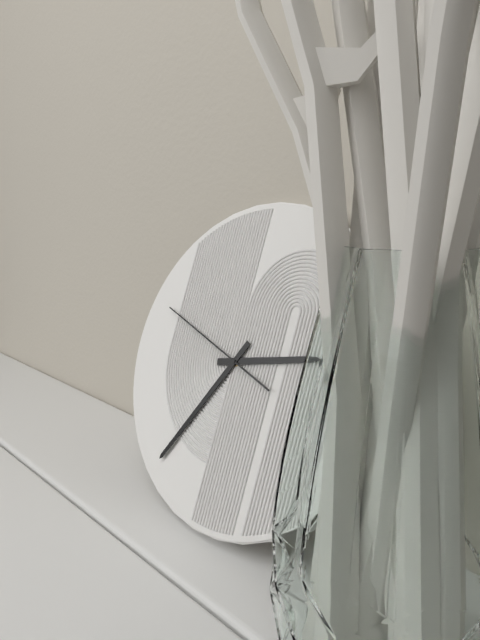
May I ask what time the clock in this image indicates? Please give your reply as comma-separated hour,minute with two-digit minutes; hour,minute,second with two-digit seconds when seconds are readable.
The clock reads 2,35,48
